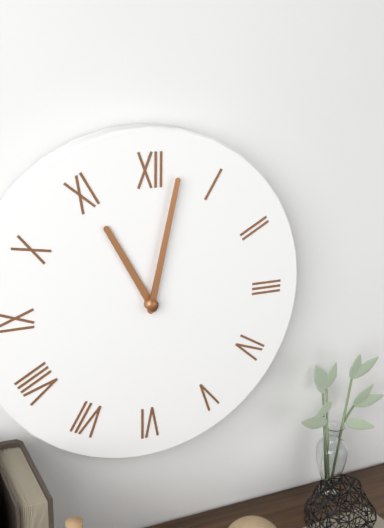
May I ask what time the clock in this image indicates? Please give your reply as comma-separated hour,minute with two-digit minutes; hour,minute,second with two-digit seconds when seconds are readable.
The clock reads 11,02
